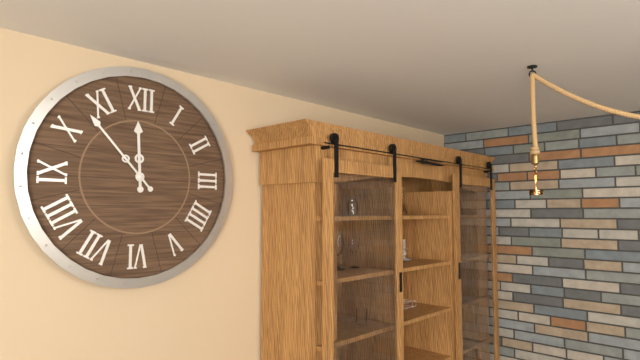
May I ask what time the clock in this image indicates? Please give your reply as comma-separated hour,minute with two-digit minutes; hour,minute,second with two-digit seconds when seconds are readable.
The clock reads 11,53
